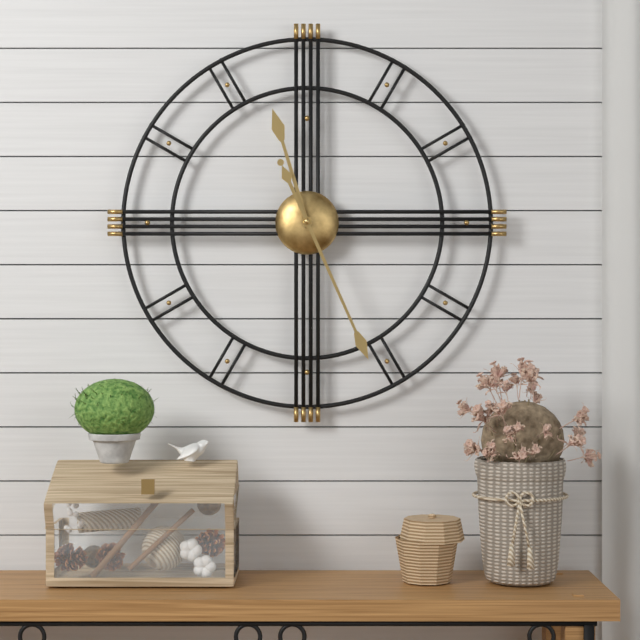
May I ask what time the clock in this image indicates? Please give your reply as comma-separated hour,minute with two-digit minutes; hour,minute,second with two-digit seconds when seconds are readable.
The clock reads 11,26
